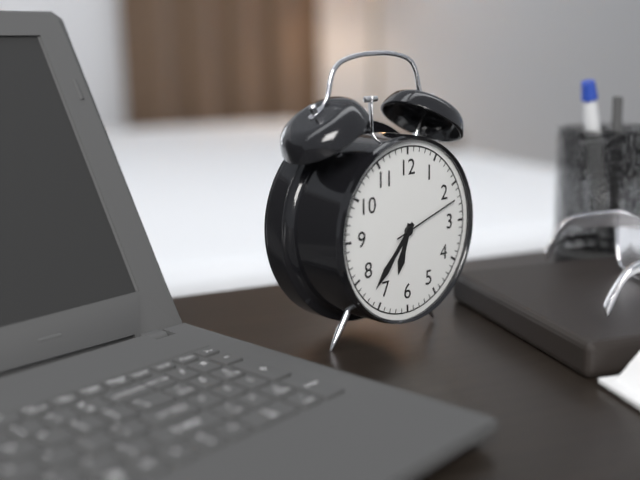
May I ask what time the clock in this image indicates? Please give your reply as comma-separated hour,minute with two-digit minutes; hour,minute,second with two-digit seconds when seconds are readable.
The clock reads 6,37,12
